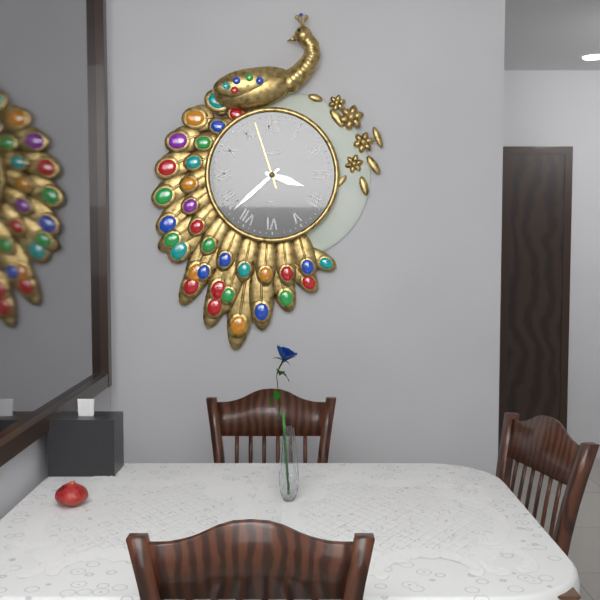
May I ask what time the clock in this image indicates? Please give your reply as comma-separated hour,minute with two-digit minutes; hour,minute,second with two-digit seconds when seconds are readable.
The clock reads 3,38,57
